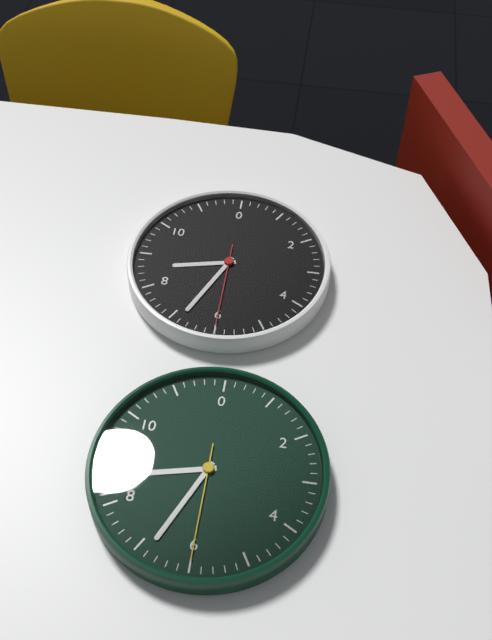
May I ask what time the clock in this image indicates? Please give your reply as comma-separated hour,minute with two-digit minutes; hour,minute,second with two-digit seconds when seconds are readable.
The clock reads 8,34,30
